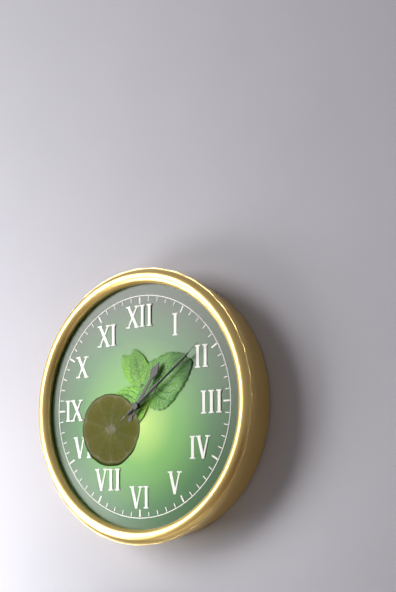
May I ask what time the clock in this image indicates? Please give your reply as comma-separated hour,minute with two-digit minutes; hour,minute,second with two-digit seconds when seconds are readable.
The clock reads 1,09,09
